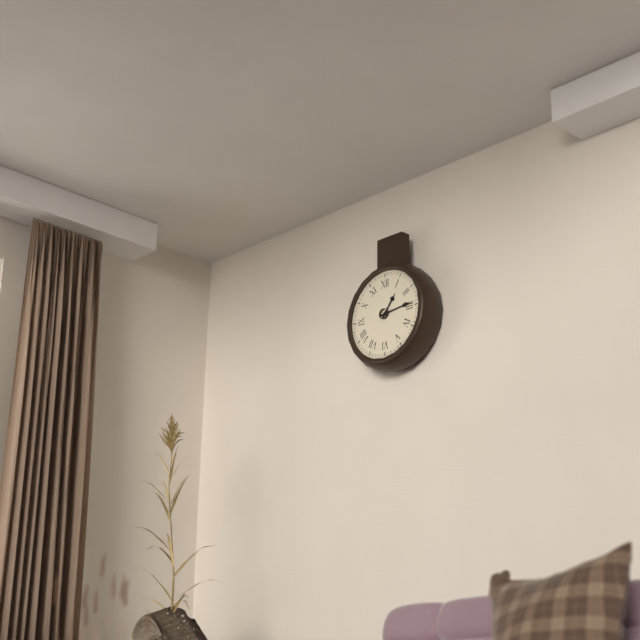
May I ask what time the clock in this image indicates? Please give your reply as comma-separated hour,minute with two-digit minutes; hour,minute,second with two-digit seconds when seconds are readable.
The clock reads 1,14
